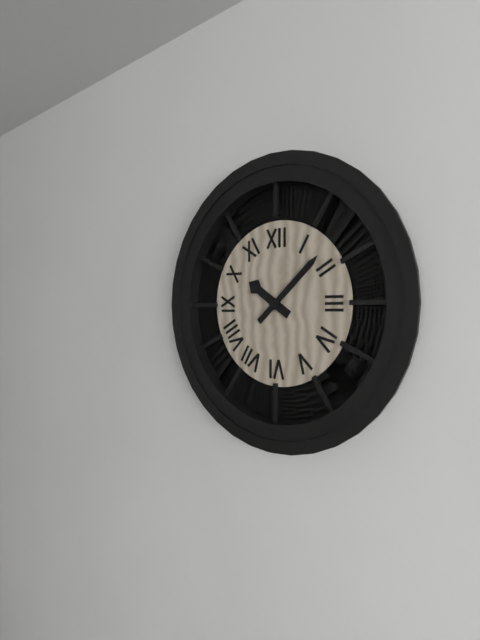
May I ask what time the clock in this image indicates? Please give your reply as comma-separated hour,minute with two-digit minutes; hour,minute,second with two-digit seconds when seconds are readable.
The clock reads 10,08
